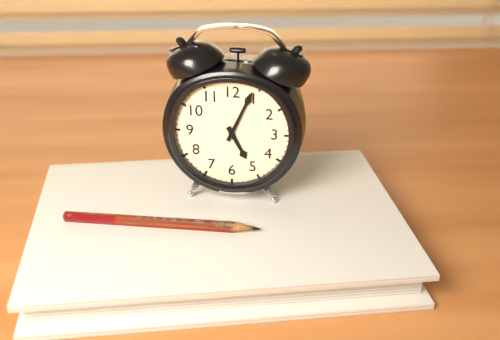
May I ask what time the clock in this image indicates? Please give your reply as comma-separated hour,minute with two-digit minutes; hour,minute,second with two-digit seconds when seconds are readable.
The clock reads 5,04
